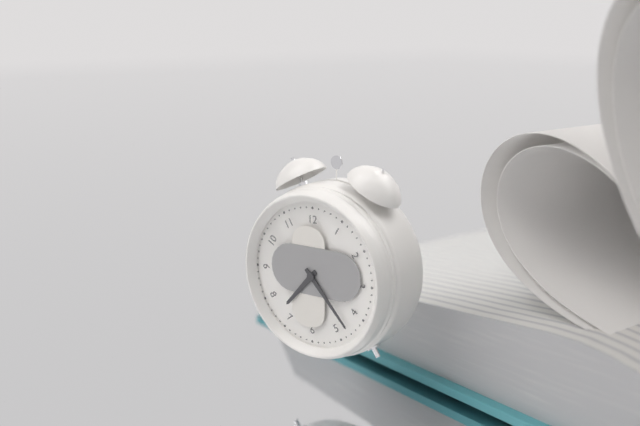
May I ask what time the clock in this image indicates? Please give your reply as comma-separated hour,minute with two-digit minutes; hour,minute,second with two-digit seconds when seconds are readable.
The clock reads 7,23
